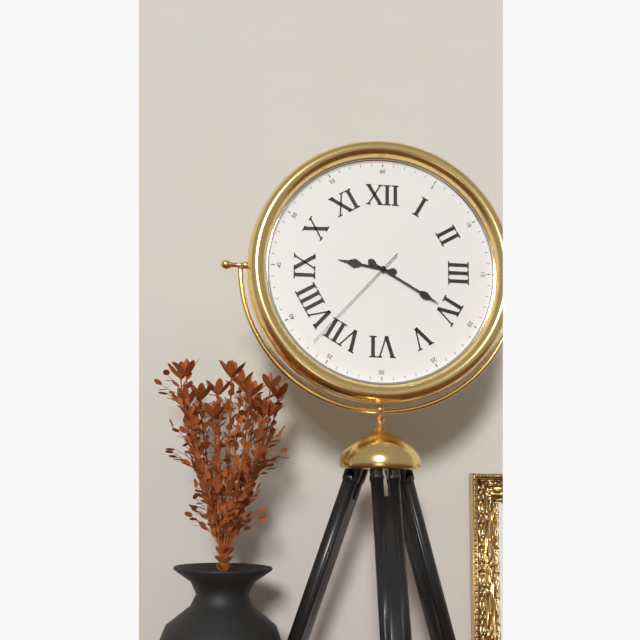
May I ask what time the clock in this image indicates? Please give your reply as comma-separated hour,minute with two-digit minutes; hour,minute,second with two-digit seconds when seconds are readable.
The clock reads 9,20,37
